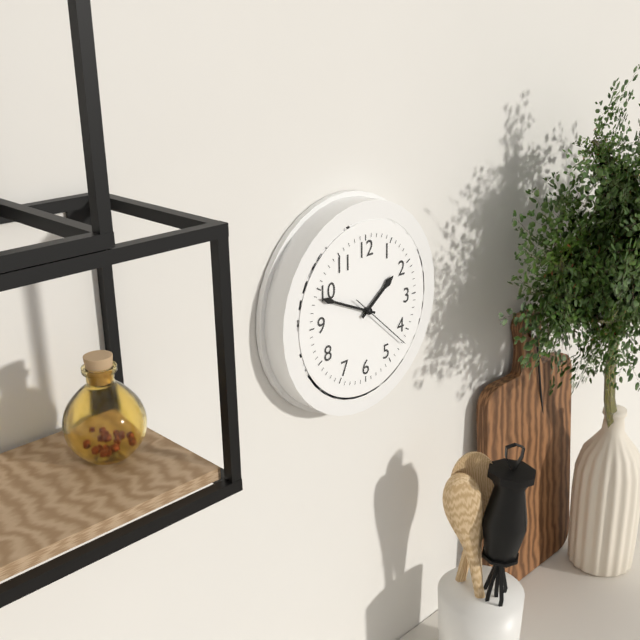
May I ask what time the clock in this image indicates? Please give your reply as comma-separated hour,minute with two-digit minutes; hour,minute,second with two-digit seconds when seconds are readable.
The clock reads 1,49,22
